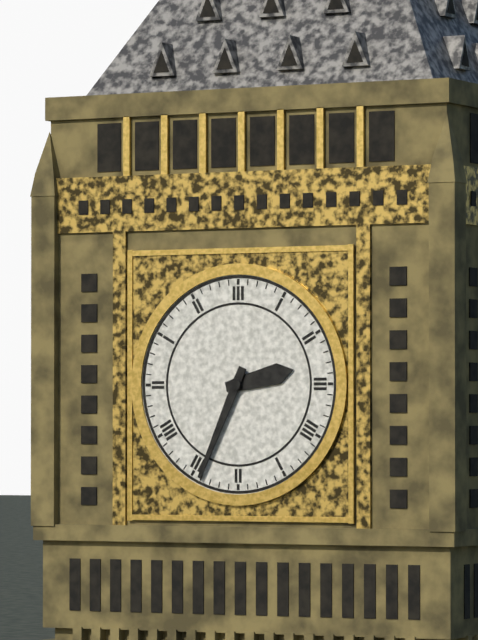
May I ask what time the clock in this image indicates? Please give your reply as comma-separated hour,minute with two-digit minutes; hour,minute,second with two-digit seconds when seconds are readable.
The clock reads 2,34
